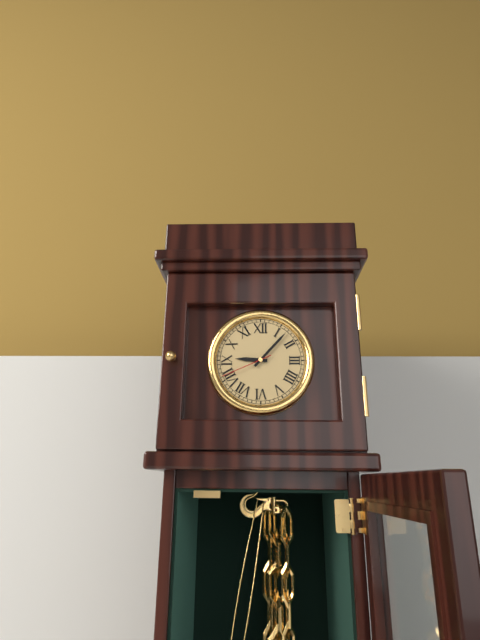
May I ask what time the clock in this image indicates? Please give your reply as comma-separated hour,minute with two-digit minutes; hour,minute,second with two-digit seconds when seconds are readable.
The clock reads 9,07,41
